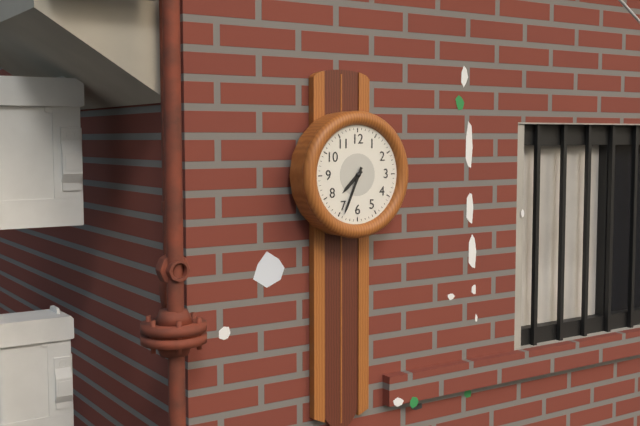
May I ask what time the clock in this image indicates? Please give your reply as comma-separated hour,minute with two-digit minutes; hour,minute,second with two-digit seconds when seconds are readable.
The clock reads 7,34
